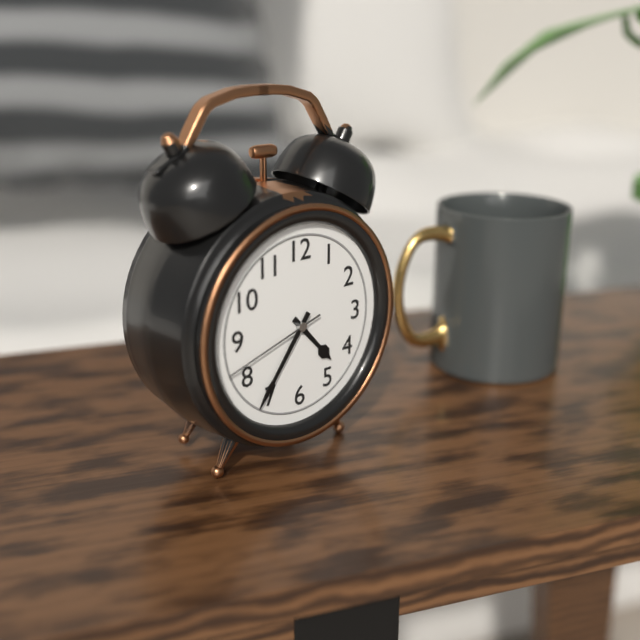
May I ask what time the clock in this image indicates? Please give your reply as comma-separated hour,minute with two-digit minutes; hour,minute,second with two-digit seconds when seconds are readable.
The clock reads 4,36,42
